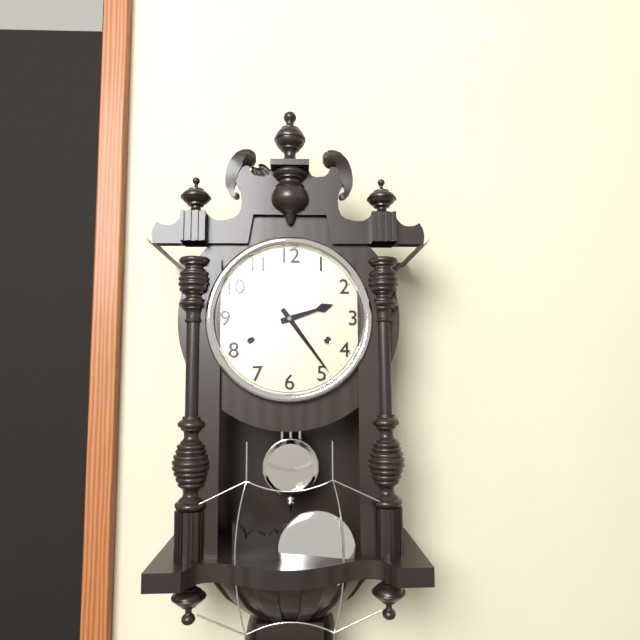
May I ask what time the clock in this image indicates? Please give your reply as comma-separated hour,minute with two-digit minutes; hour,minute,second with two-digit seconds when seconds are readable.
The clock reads 2,24
